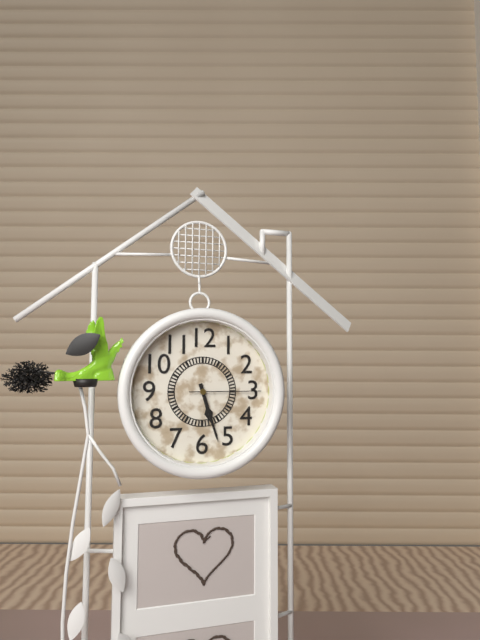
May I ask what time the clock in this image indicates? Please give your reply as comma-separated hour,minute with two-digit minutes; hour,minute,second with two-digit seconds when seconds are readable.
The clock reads 5,27,15
